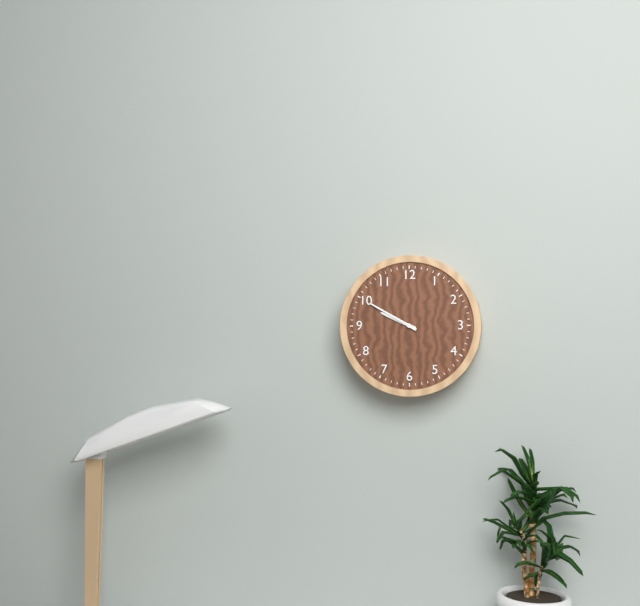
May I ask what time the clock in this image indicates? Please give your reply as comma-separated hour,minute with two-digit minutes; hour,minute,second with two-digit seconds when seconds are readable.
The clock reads 9,50
